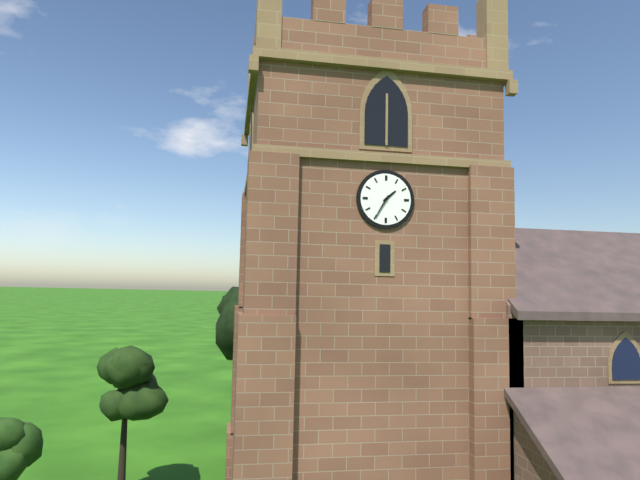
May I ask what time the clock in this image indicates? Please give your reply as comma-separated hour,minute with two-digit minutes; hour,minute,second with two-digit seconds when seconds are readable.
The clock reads 1,35
